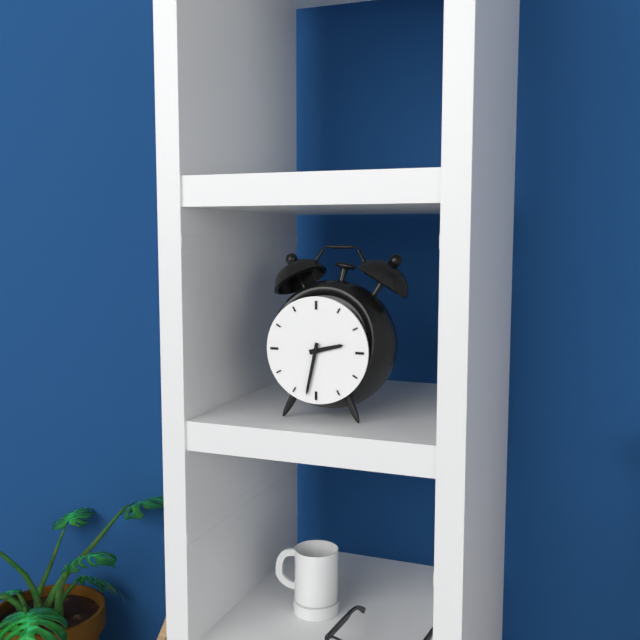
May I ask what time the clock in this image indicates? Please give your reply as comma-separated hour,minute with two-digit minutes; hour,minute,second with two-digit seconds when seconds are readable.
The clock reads 2,32
